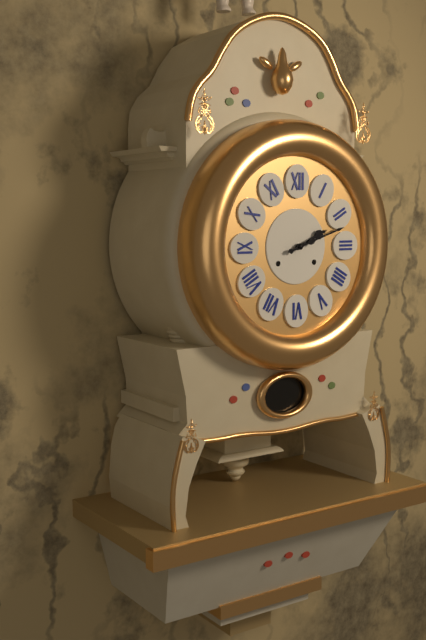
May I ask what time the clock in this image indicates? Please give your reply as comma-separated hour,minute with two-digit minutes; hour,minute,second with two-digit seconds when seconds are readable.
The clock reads 2,12
